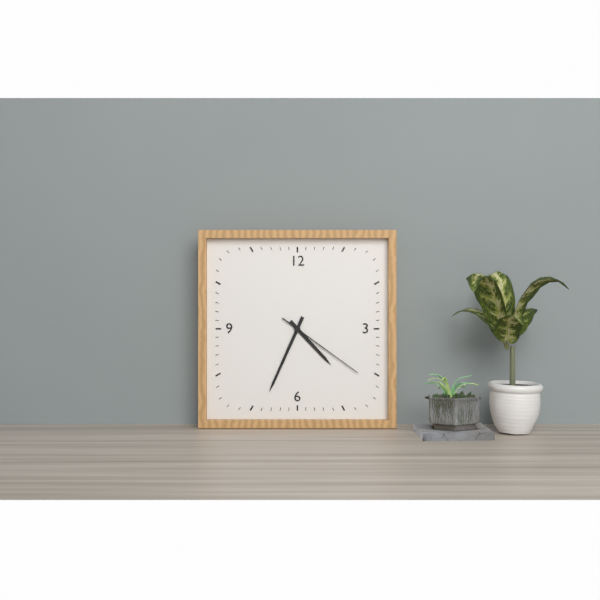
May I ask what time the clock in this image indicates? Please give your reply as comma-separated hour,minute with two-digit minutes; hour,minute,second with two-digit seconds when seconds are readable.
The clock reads 4,34,21
